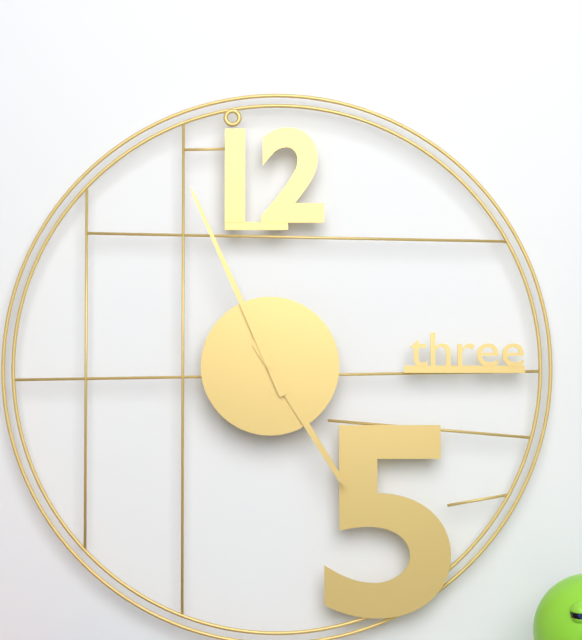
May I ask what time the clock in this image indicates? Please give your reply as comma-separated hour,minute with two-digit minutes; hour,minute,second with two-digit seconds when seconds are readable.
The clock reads 4,56
